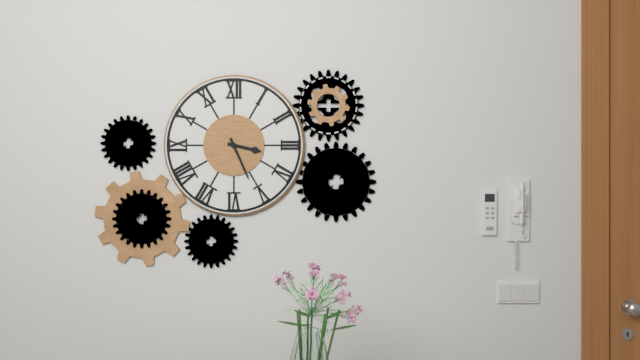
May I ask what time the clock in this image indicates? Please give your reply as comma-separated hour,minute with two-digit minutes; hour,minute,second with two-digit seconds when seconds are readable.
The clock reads 3,26
